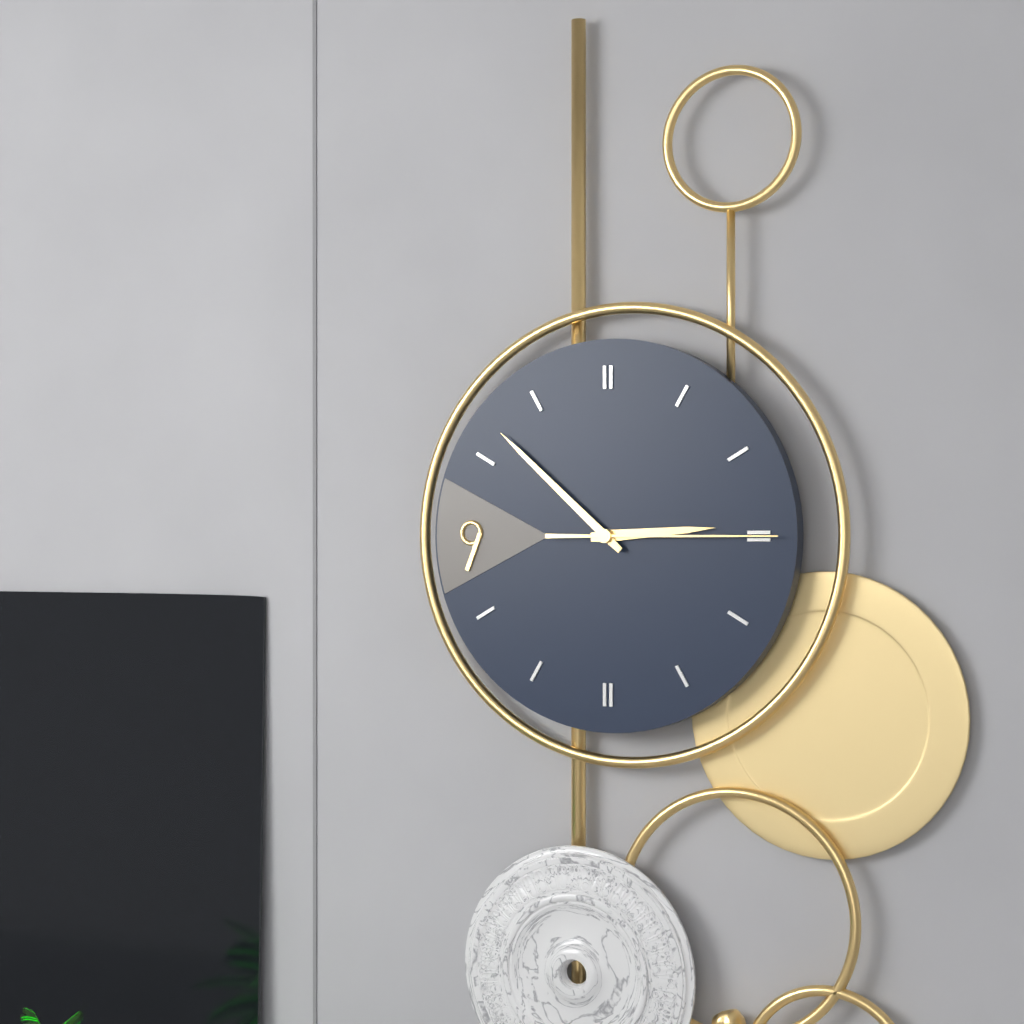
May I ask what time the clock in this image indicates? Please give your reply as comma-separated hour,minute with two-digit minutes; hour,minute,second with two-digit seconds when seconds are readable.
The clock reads 2,52,15
